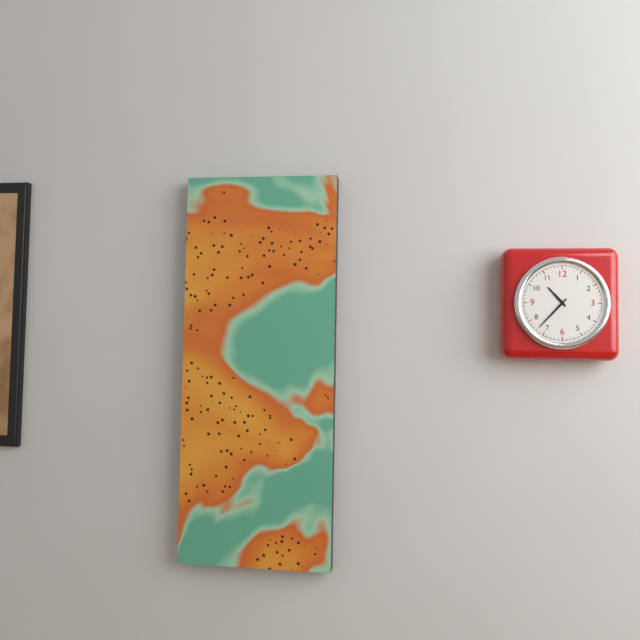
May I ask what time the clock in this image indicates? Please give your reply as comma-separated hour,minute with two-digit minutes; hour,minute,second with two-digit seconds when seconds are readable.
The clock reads 10,37
